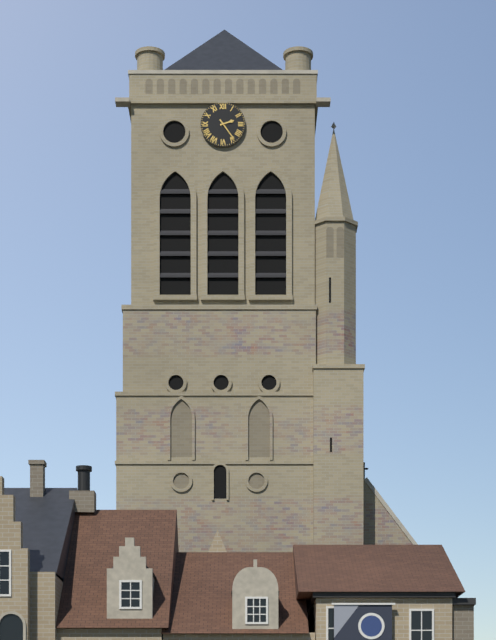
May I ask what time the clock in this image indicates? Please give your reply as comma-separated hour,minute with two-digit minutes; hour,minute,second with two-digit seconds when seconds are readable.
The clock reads 2,24
